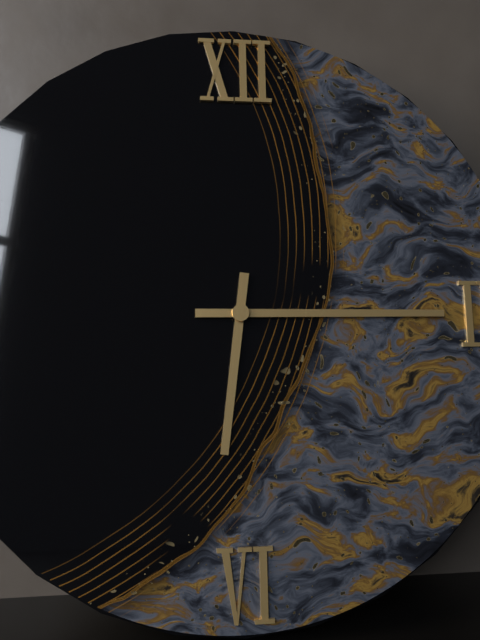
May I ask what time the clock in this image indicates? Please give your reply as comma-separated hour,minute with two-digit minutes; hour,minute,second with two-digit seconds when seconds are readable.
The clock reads 6,15
